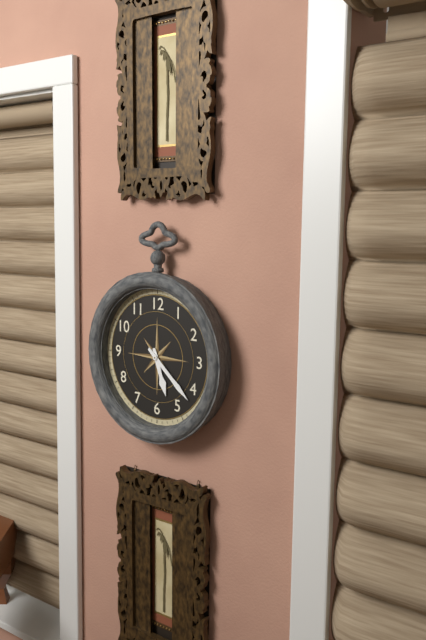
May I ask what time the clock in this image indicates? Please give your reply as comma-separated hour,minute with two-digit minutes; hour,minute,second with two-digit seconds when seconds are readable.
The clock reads 5,22
